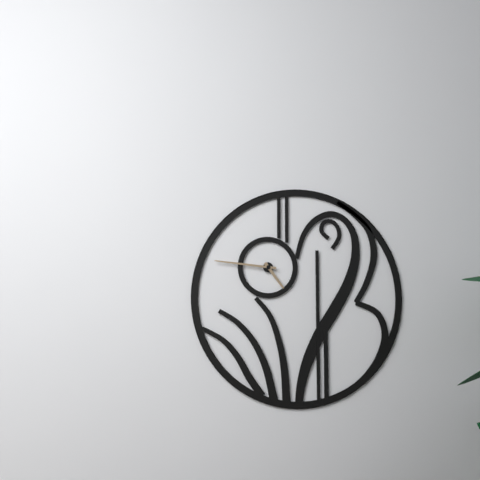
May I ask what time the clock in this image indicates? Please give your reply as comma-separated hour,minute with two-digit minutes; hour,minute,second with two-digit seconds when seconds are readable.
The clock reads 4,46
